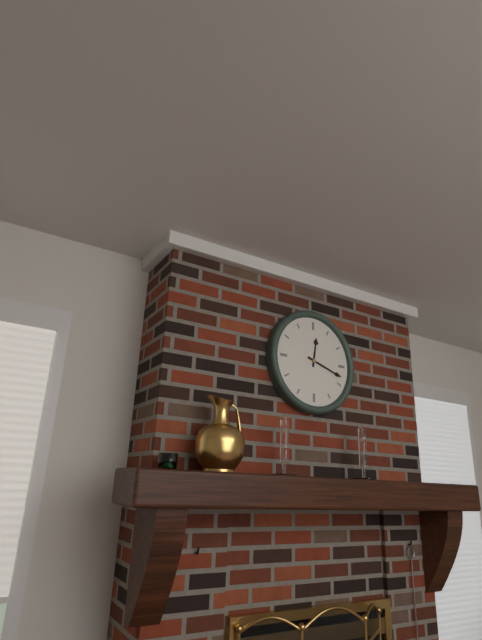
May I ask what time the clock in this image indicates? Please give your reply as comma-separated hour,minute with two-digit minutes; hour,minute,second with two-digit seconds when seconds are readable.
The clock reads 12,18
